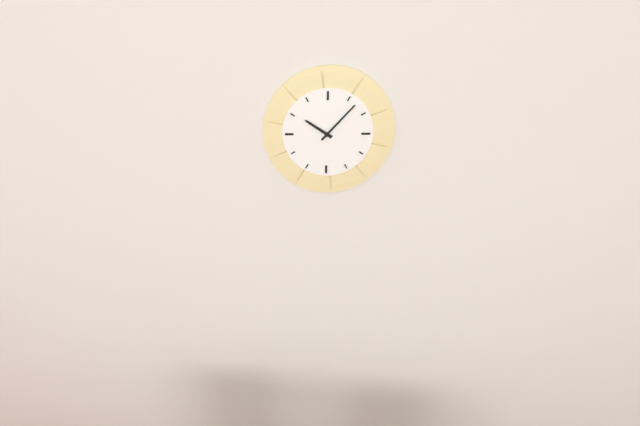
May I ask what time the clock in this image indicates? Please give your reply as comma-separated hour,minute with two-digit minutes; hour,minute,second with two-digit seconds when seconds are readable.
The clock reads 10,07
